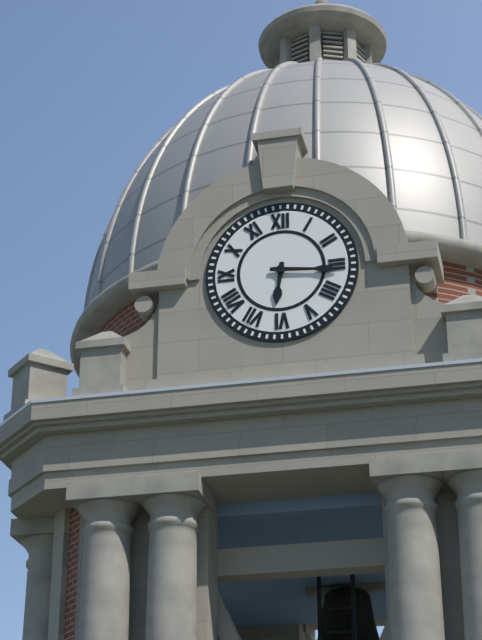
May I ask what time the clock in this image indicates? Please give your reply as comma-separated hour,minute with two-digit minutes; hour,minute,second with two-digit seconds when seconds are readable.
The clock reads 6,16
